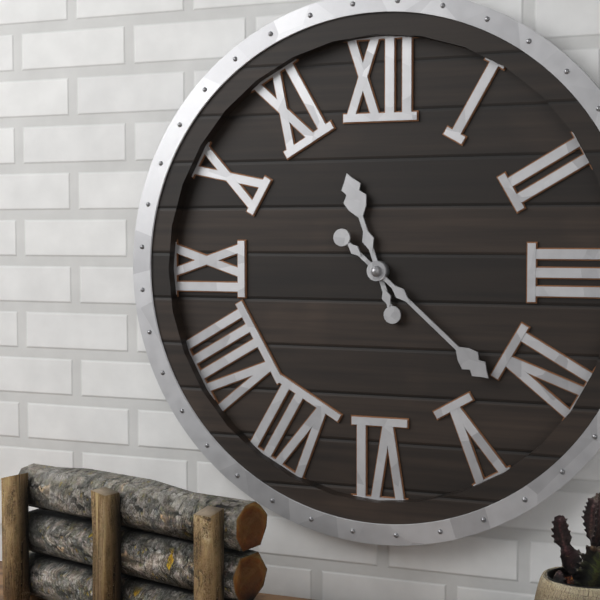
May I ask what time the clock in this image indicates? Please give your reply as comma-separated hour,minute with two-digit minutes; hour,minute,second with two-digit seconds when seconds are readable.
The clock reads 11,22
